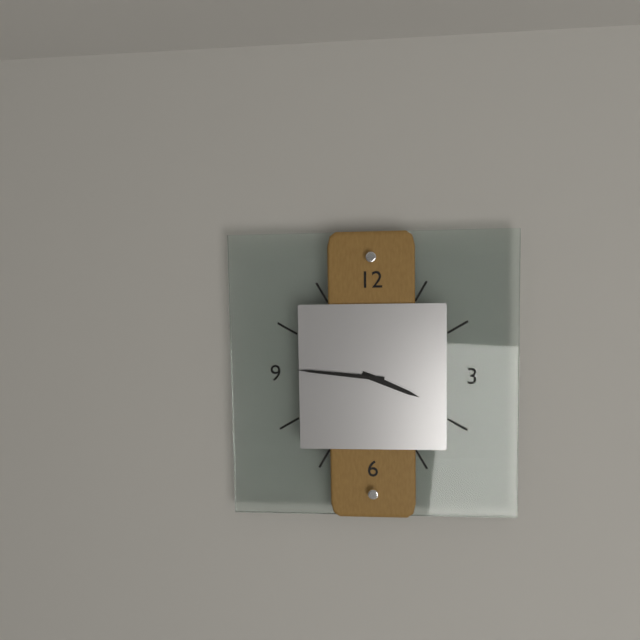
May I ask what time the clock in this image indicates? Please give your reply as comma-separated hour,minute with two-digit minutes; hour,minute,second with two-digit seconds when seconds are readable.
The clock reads 3,46
